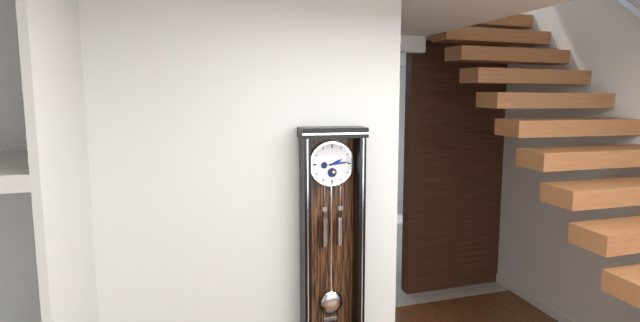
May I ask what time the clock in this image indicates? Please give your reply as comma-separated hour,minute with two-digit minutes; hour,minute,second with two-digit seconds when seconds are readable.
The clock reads 2,14
